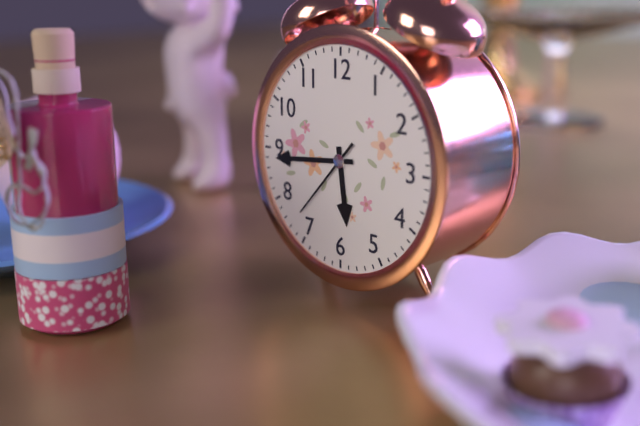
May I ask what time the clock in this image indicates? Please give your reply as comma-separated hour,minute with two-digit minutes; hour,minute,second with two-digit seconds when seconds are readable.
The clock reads 5,44,37
